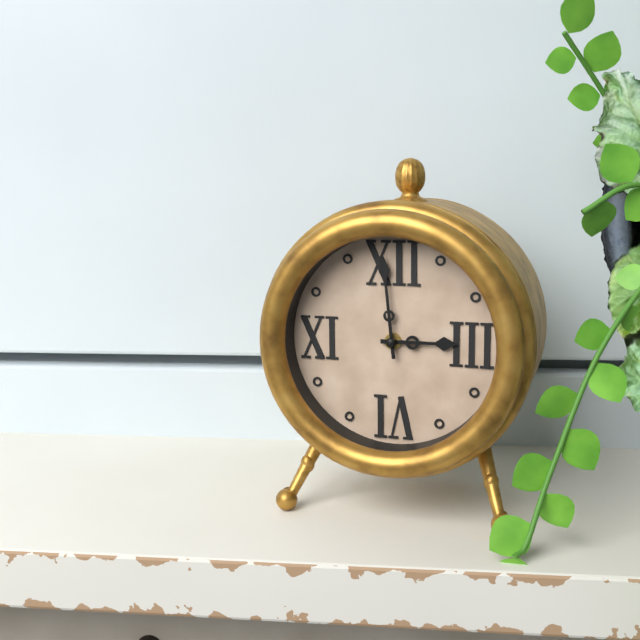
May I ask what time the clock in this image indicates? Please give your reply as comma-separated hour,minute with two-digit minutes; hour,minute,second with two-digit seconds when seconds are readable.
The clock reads 2,59
